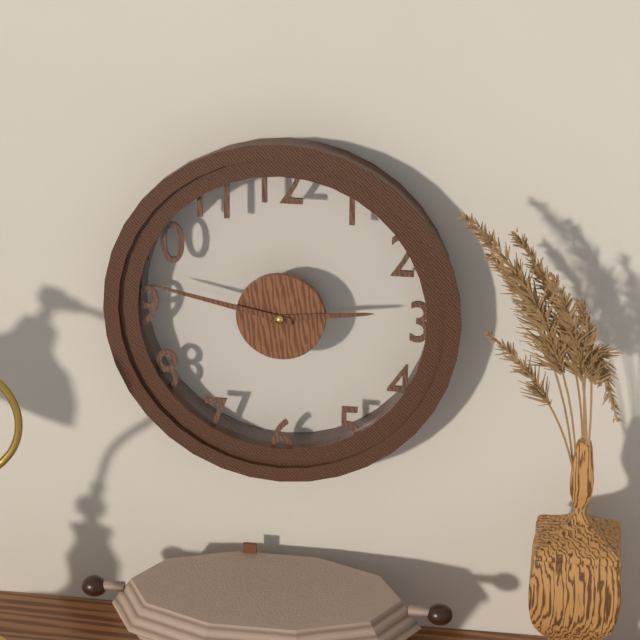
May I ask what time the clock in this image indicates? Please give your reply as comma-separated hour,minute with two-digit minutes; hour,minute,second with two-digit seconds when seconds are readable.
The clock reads 2,47
